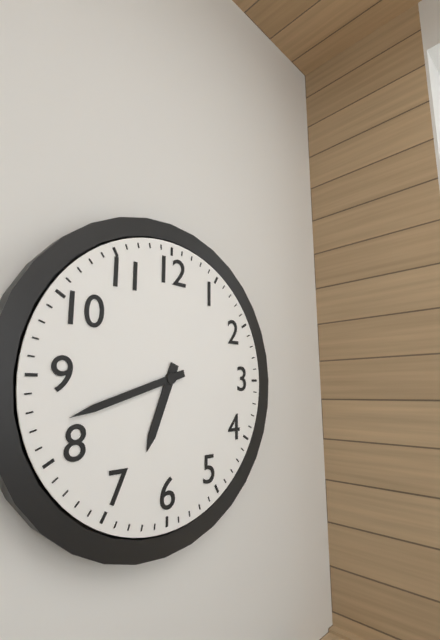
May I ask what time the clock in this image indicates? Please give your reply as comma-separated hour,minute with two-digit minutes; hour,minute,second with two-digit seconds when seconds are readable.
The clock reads 6,42
